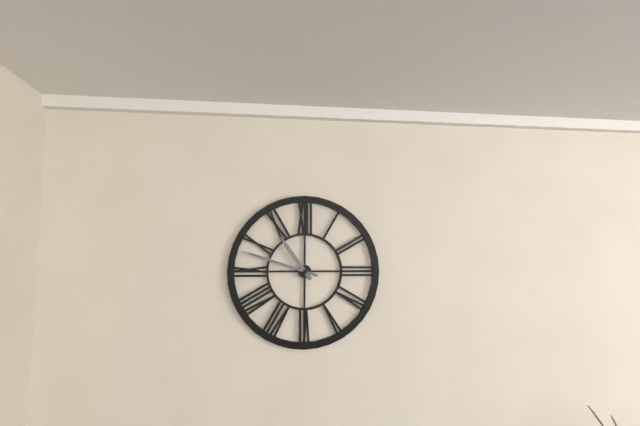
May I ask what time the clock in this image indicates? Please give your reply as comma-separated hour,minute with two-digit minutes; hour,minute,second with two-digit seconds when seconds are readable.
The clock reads 10,48
